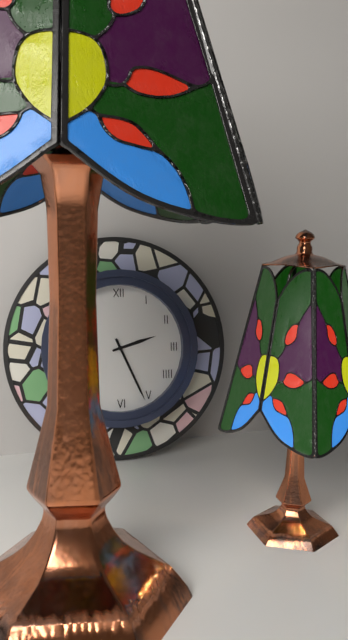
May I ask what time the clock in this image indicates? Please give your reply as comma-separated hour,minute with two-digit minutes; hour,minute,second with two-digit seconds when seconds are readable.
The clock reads 2,26
